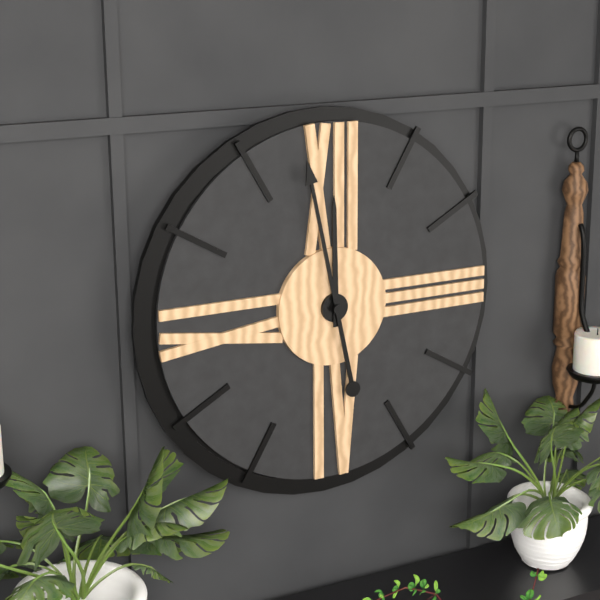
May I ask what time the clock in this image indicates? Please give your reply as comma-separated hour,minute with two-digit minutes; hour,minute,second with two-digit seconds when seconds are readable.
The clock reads 11,58
